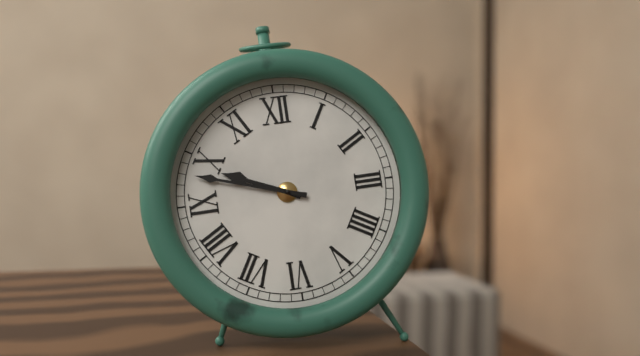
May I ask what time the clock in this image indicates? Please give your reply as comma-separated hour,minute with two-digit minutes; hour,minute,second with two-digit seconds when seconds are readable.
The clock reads 9,48
